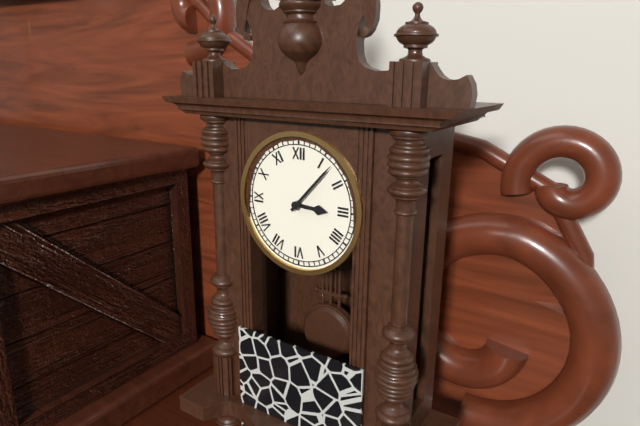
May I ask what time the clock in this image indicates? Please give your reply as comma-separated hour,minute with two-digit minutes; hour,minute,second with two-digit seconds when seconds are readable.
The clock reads 3,07
